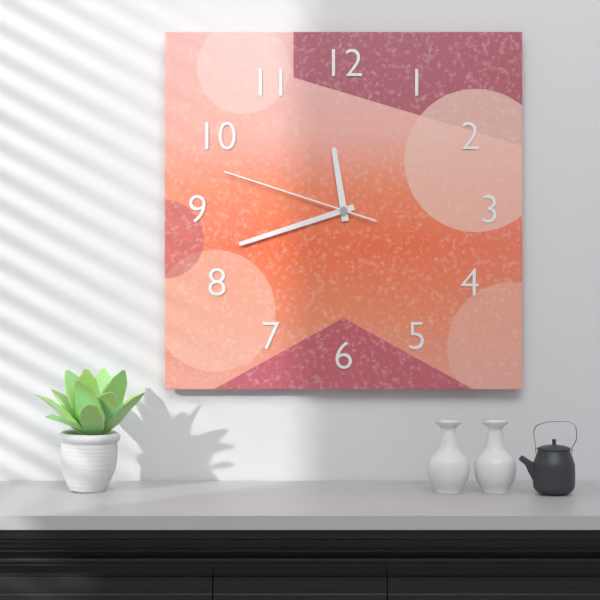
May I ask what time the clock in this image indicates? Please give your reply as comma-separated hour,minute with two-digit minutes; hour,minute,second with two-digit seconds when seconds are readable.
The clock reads 11,42,48
